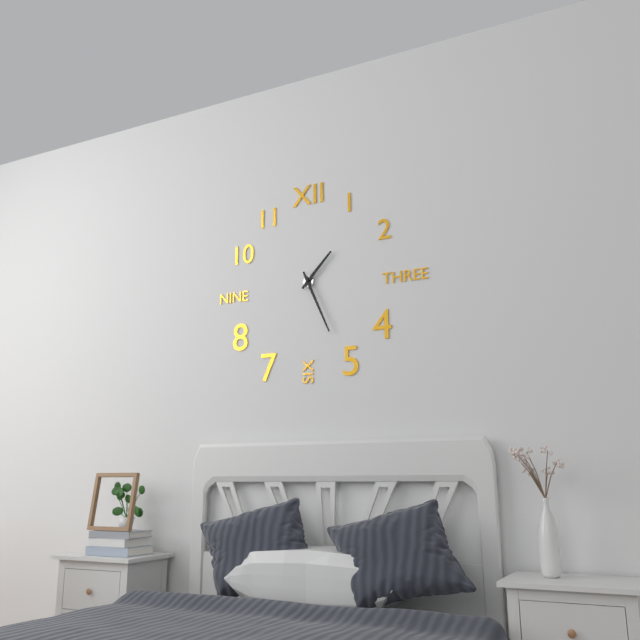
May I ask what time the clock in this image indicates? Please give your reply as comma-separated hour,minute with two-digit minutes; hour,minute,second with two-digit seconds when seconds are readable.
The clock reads 1,26
